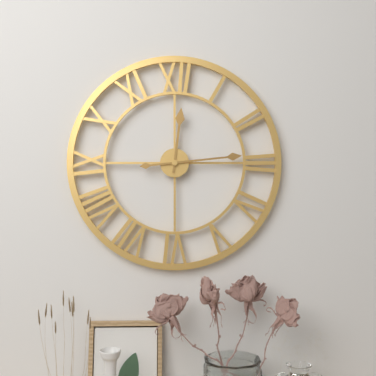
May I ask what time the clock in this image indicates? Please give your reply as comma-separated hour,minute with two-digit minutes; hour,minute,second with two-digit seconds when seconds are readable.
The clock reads 12,14
